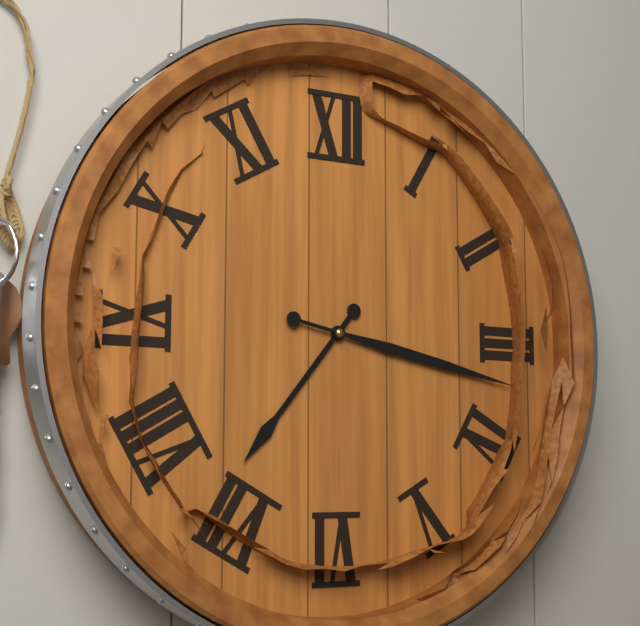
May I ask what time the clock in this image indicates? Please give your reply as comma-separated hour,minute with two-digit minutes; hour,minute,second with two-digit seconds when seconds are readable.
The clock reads 7,17
